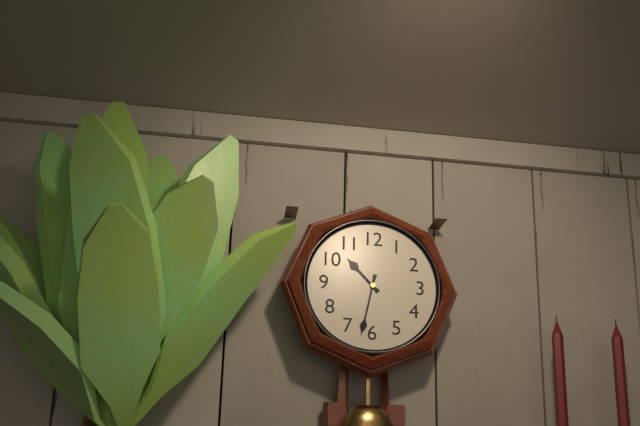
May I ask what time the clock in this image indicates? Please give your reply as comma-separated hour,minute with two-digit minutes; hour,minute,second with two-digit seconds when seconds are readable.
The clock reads 10,32
